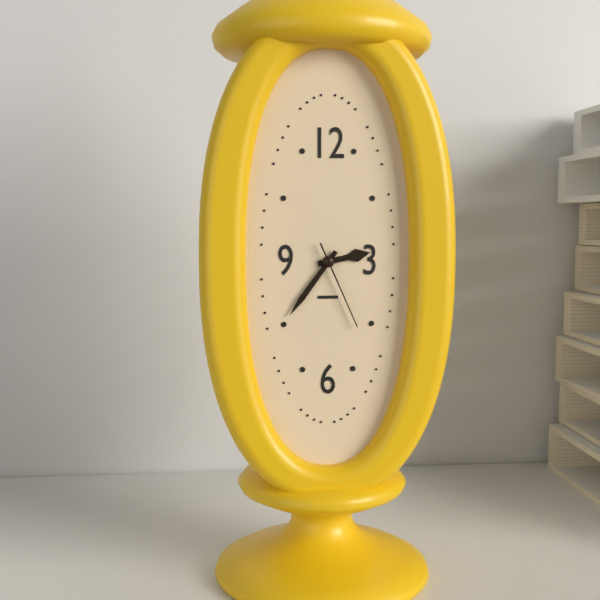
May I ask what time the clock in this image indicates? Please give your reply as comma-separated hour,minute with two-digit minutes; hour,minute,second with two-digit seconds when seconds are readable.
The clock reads 2,36,26
